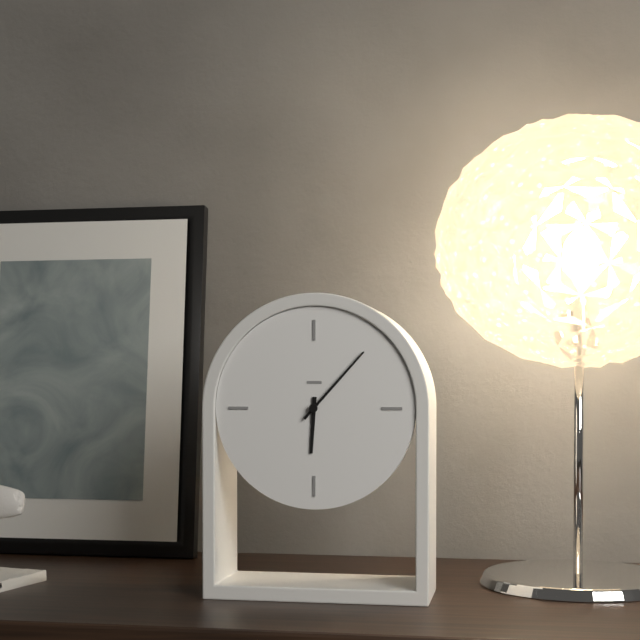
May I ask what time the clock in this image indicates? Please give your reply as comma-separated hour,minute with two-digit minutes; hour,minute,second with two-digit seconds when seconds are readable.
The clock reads 6,07
